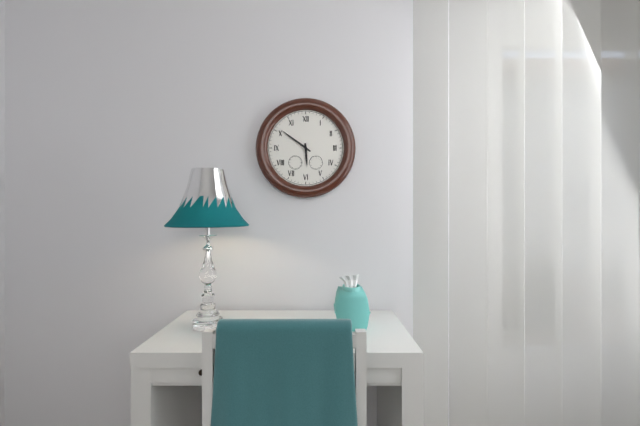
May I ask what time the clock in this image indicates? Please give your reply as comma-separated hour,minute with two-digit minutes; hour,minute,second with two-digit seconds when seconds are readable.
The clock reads 5,51
